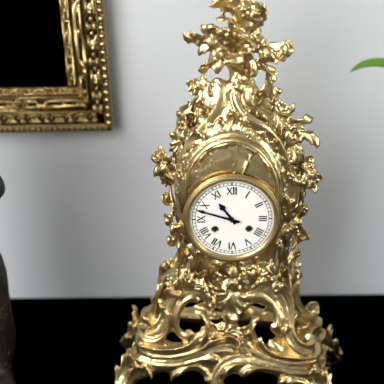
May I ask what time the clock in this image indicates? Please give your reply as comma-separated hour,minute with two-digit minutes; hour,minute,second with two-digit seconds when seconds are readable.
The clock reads 10,48
